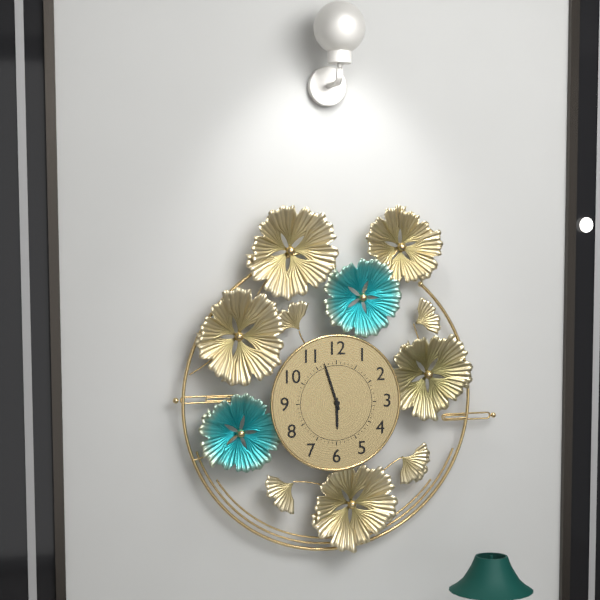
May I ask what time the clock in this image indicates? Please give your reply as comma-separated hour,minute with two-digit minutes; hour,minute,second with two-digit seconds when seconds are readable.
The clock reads 5,57
